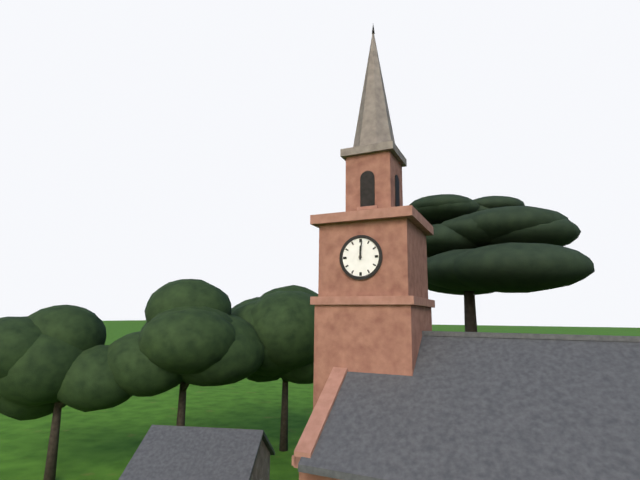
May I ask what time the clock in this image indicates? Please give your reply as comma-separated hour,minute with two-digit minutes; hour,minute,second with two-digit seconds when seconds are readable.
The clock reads 12,01
